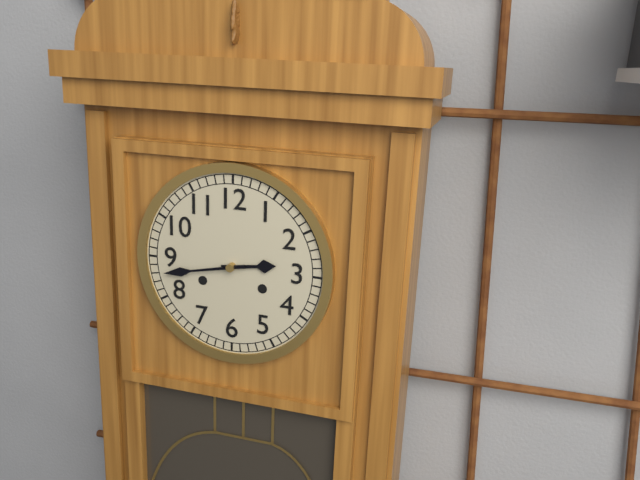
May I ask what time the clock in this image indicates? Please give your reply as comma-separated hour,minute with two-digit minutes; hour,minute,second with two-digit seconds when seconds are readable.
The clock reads 2,43
